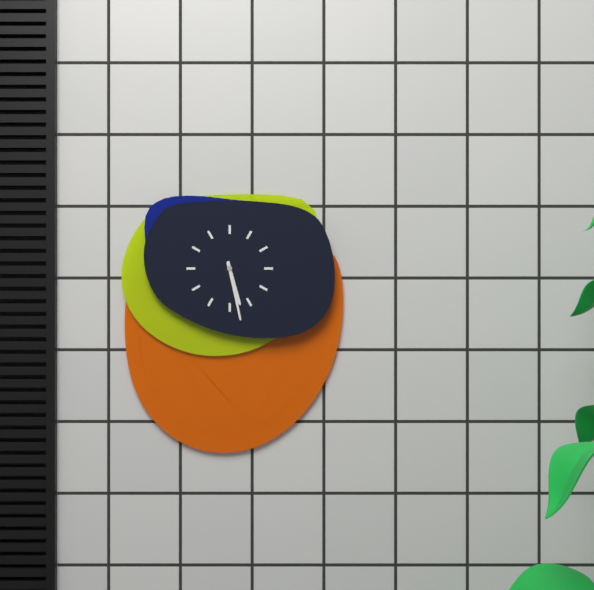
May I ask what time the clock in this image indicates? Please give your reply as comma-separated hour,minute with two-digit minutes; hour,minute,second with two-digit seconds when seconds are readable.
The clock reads 5,28
